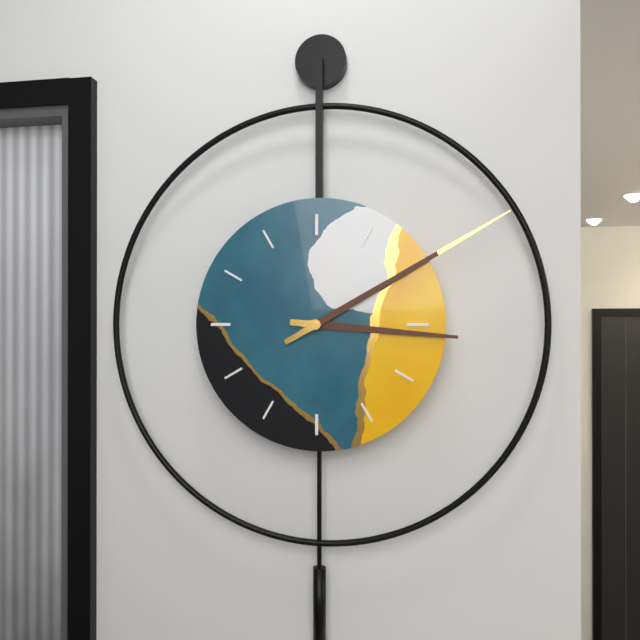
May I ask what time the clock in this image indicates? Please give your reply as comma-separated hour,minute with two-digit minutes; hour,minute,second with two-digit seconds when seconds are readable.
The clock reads 3,10
